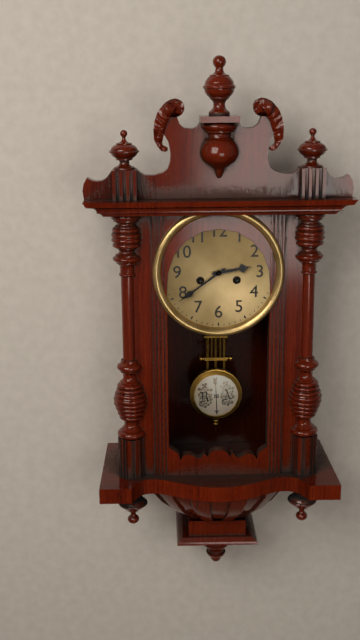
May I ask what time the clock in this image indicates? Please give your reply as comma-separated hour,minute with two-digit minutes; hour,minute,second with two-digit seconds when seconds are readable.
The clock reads 2,39
